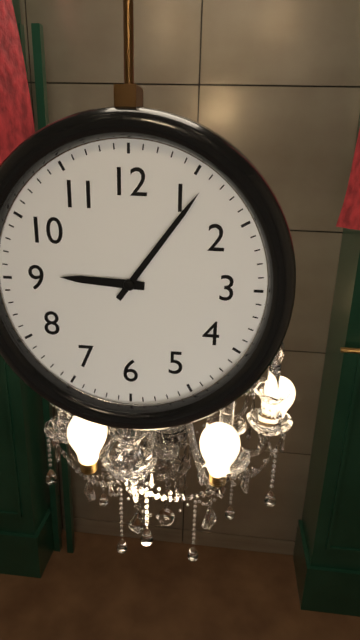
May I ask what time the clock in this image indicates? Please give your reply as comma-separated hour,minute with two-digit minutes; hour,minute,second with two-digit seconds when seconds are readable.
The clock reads 9,06
